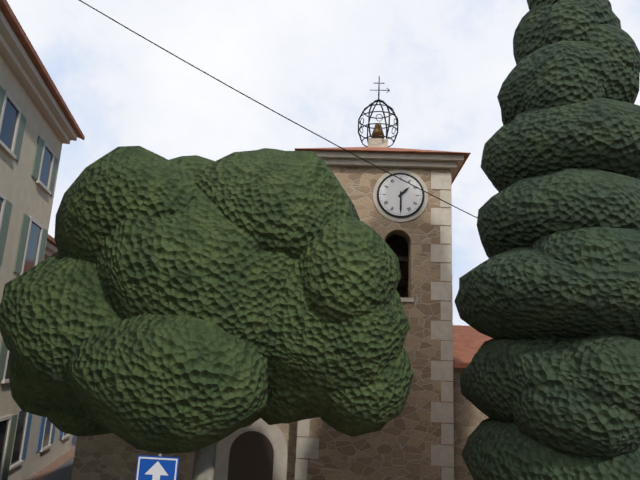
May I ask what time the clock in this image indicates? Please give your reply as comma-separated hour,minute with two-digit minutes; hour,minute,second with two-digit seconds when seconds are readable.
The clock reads 1,30
